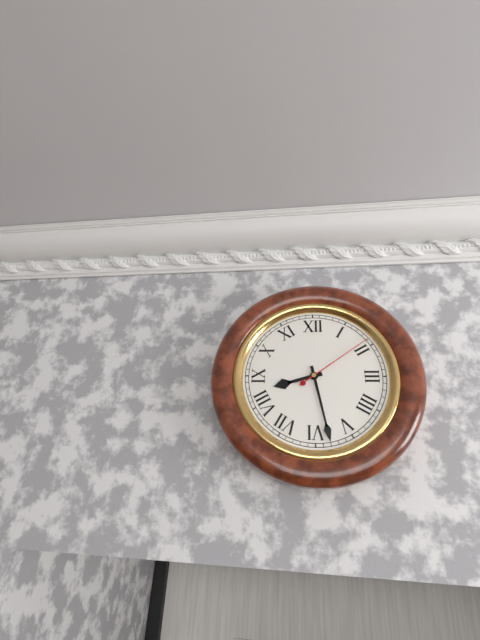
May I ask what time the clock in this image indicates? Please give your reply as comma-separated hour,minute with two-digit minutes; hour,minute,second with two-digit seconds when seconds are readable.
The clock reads 8,28,09
